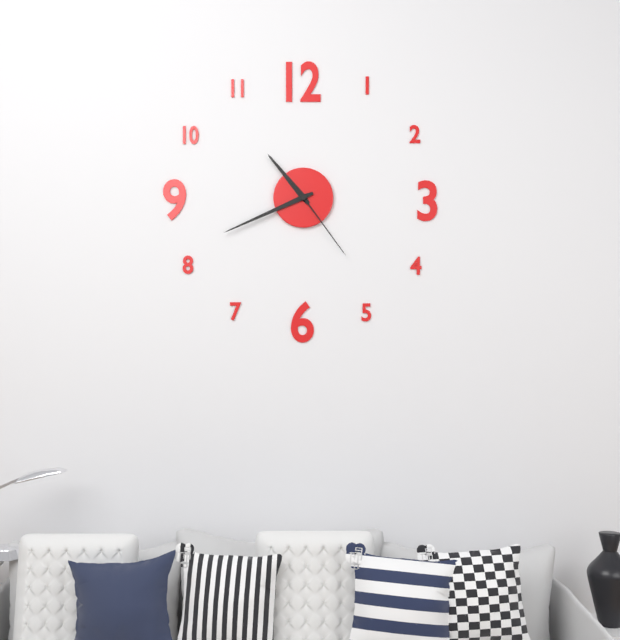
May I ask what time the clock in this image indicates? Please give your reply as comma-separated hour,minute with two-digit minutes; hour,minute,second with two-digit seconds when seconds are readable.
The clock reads 10,41,24
